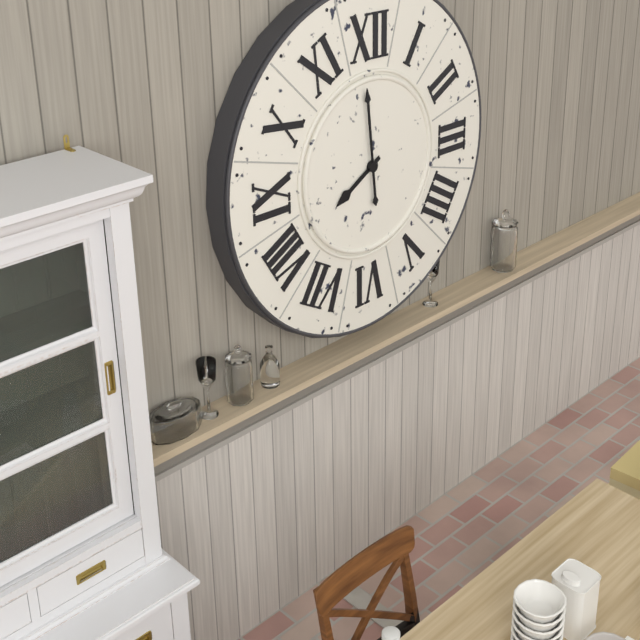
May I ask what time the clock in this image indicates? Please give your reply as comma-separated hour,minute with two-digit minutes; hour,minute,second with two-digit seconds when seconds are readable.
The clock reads 7,59
